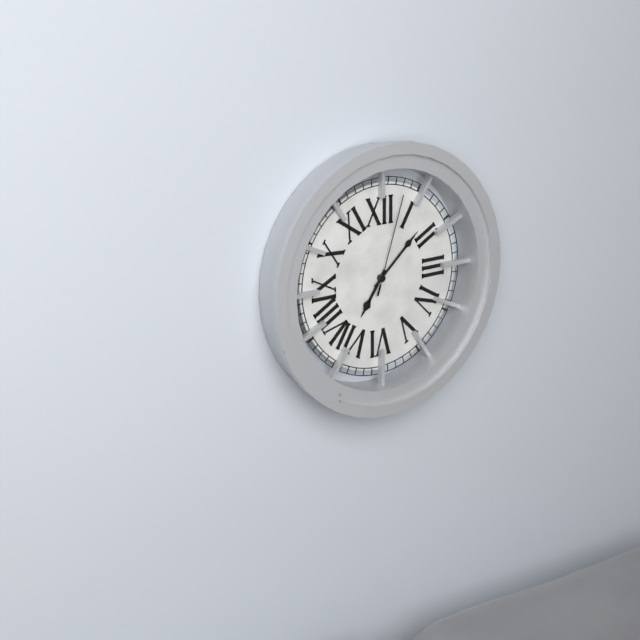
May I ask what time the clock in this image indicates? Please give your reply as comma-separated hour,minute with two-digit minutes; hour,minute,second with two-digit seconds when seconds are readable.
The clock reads 7,08,03
